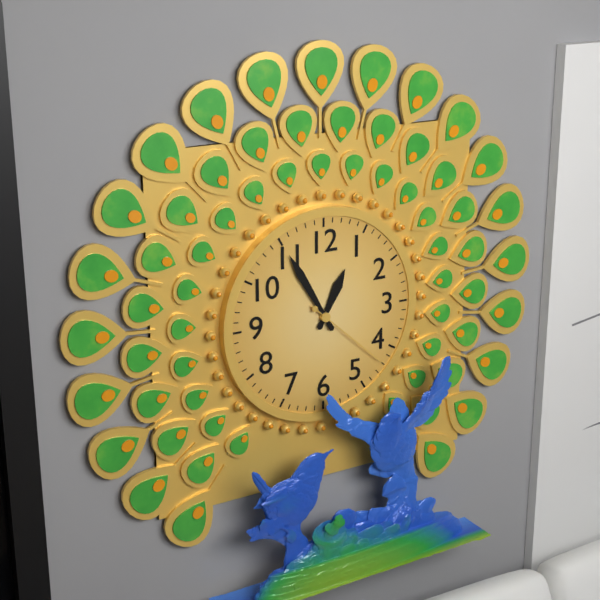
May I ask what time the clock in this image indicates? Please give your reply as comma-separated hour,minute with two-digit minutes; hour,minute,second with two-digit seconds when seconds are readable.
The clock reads 12,55,22
